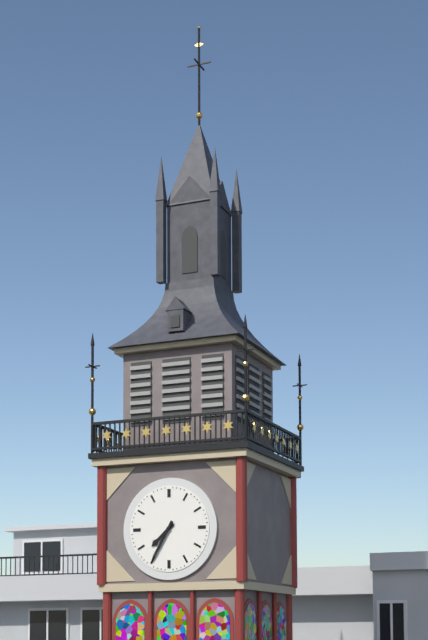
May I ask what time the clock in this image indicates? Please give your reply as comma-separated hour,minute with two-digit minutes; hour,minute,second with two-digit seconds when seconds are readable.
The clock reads 7,35
